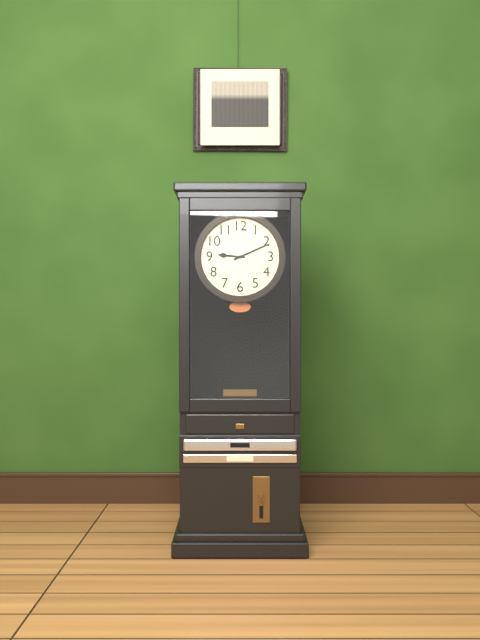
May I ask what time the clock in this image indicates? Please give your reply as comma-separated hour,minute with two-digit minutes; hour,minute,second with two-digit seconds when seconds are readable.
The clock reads 9,11
